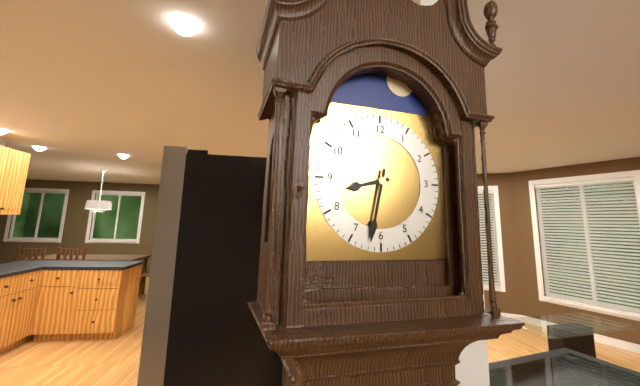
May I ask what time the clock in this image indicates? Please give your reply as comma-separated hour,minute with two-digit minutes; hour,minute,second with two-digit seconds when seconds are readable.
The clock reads 8,32
